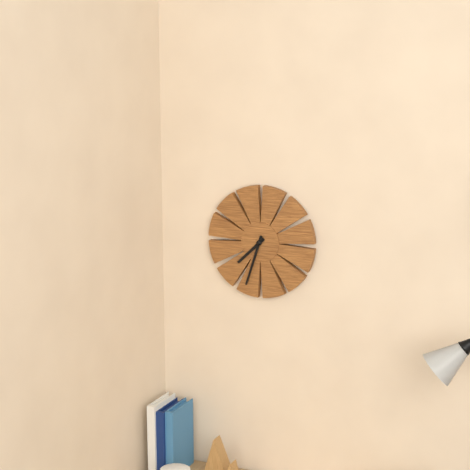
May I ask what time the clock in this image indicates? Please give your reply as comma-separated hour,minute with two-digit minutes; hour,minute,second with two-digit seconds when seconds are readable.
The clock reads 7,33
